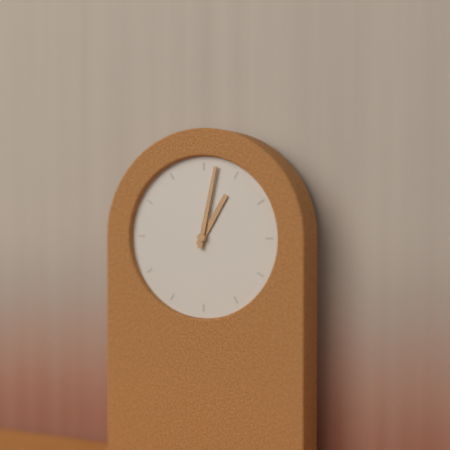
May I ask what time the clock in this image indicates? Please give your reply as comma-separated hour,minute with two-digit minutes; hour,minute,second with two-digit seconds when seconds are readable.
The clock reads 1,02
